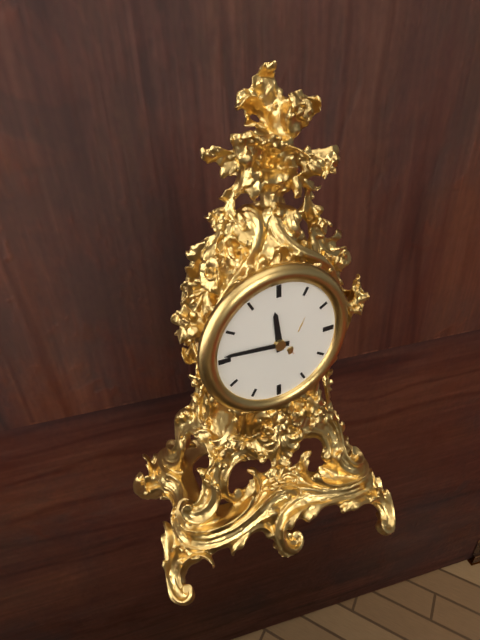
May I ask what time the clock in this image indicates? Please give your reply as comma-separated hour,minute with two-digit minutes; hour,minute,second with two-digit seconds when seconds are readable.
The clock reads 11,46
